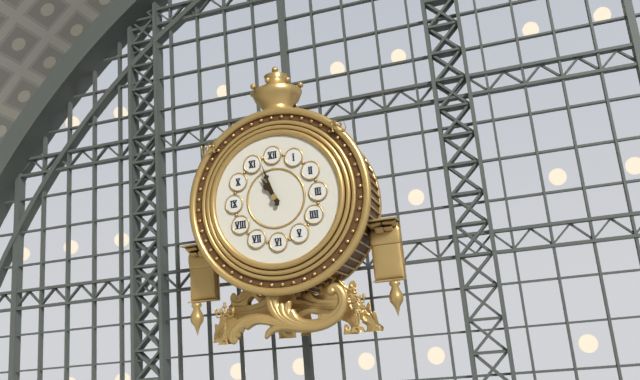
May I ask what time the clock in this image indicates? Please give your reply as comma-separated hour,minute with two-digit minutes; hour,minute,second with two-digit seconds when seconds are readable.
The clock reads 10,57
